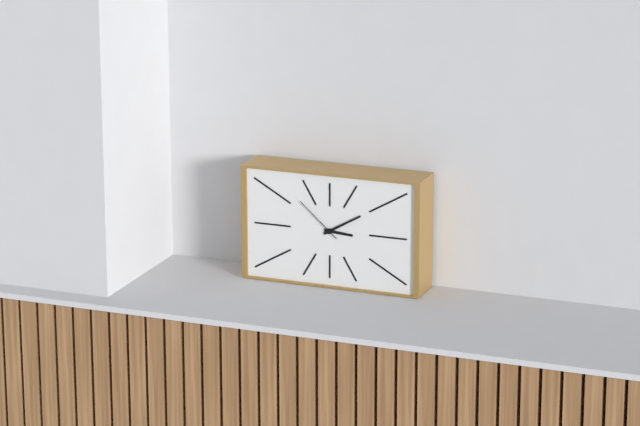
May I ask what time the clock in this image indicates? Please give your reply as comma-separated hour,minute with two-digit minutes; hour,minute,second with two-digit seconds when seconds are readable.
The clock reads 3,10,52
